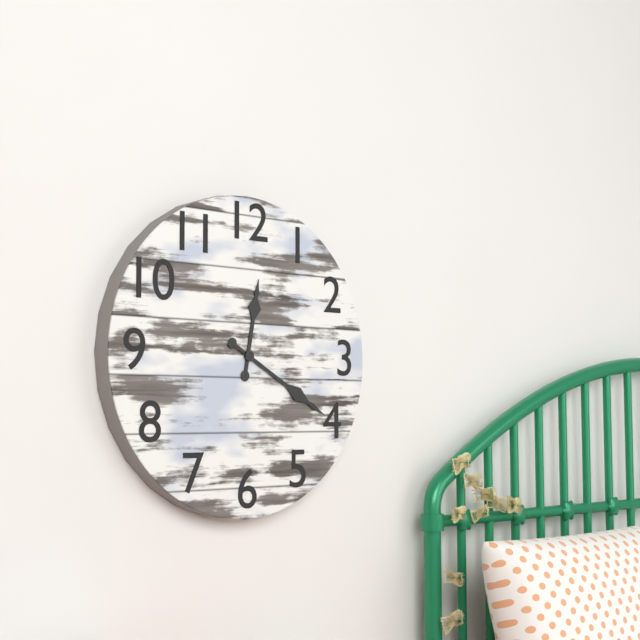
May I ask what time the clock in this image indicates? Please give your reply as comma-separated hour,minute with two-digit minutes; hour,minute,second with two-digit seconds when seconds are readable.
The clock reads 12,20
